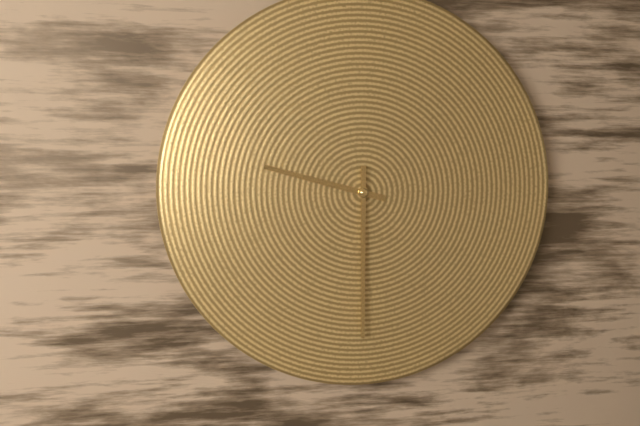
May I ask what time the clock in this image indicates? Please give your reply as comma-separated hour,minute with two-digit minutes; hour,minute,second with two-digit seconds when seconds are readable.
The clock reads 9,30
